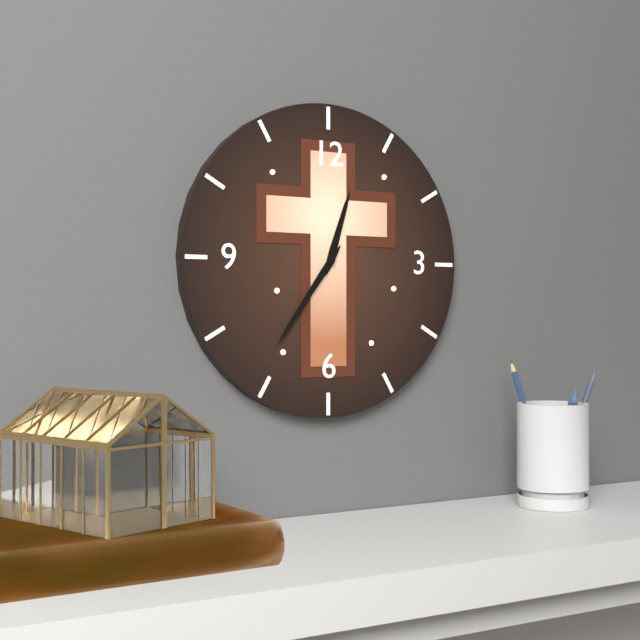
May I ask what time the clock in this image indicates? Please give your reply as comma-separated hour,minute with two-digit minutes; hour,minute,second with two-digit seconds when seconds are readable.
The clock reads 12,36
